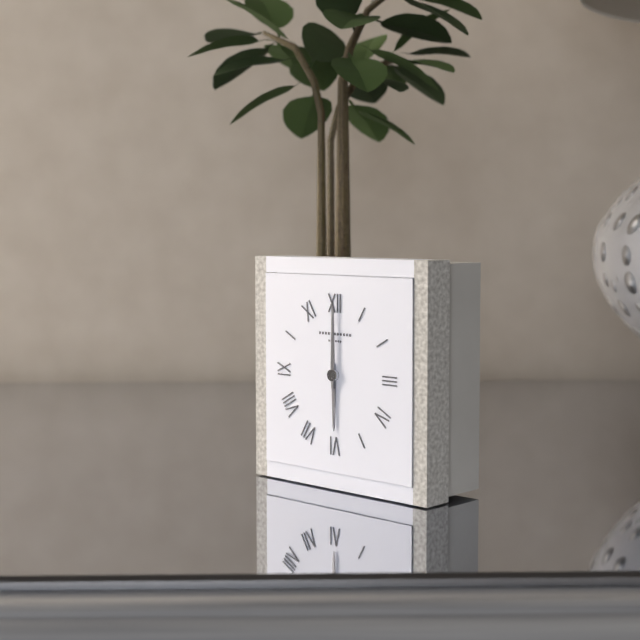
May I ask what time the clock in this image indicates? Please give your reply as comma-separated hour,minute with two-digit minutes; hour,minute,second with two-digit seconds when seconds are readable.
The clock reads 6,00
